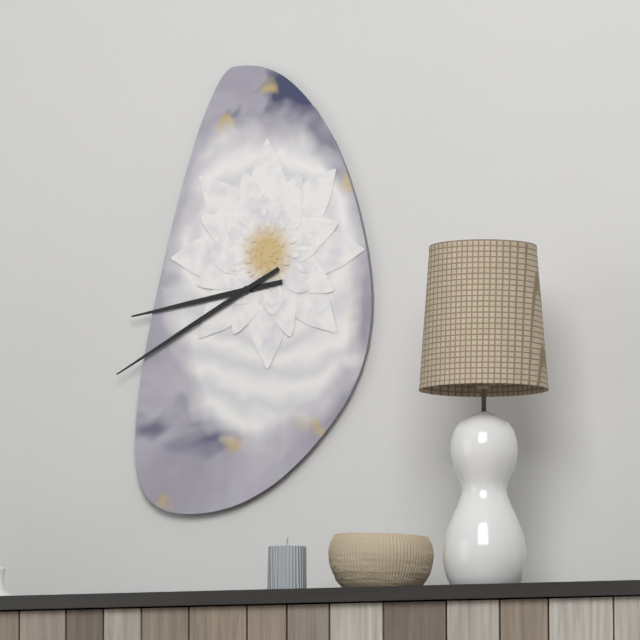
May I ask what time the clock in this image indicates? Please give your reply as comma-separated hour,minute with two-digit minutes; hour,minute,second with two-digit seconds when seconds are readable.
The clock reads 8,40
